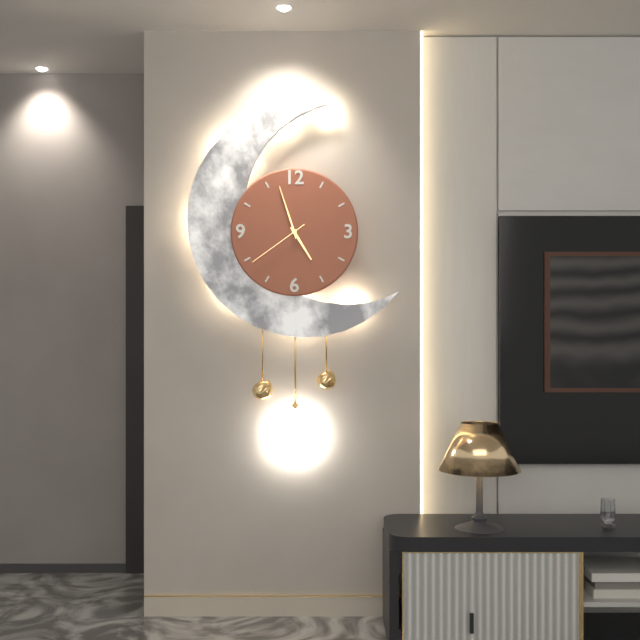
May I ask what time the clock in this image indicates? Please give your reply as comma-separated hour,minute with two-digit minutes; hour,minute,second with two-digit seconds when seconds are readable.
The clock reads 4,57,39
